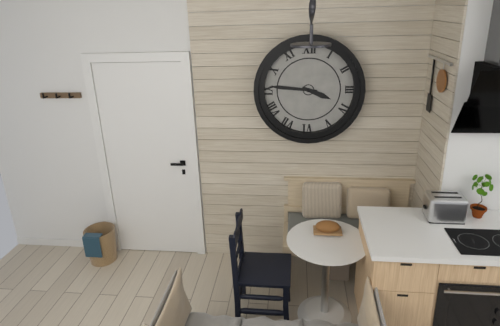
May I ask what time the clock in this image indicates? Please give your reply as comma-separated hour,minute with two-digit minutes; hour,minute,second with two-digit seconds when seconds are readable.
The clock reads 3,46
